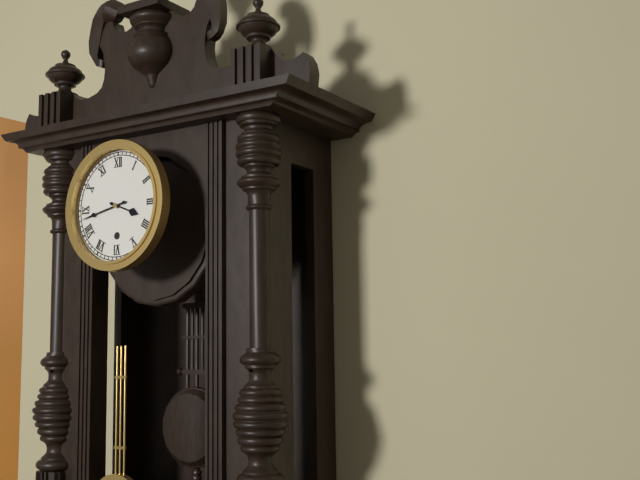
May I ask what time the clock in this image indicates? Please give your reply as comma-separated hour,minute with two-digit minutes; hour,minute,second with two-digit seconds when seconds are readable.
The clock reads 3,43
